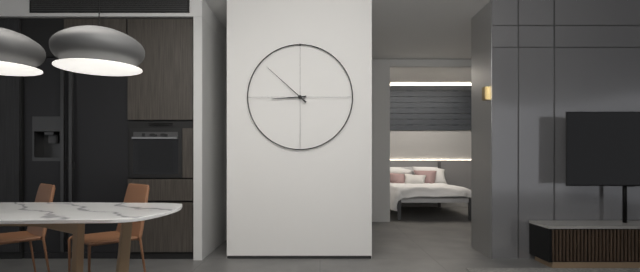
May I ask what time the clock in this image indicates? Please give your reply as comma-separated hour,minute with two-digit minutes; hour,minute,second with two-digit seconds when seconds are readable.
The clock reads 8,52
